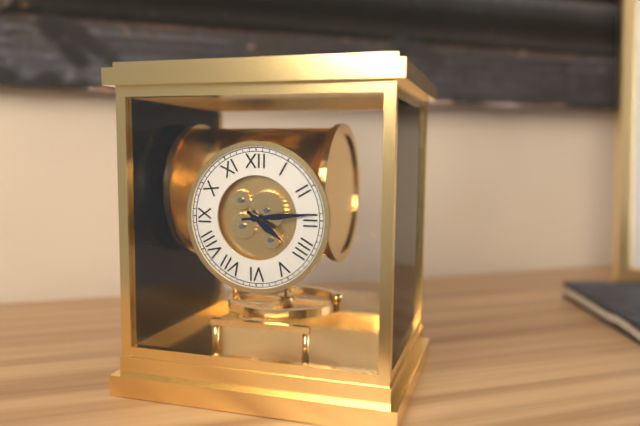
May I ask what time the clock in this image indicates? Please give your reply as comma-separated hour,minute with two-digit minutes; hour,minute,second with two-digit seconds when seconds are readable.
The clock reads 4,14
